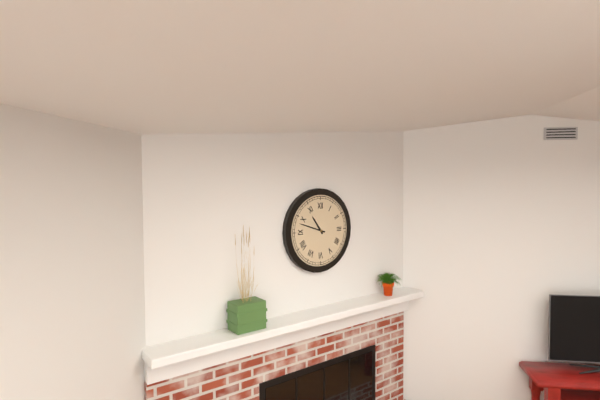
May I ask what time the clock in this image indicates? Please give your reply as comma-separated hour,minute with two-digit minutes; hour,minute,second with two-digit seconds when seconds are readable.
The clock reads 10,48
